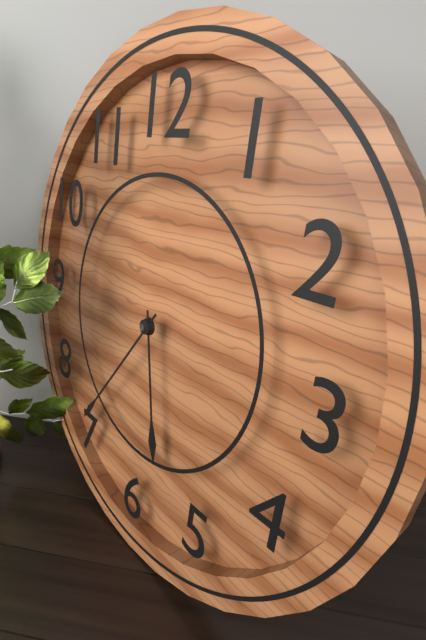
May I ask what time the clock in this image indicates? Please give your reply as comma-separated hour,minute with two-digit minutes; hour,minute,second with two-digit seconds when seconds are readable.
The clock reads 5,36
